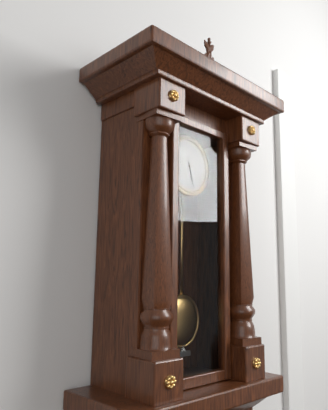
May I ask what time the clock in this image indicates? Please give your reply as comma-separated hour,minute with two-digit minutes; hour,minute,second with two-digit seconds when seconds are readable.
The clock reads 5,27
